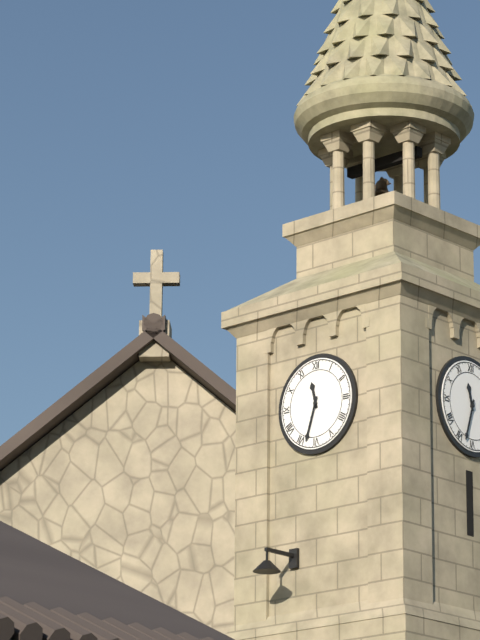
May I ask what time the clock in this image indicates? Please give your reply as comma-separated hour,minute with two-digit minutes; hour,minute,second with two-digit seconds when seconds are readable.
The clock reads 11,33
